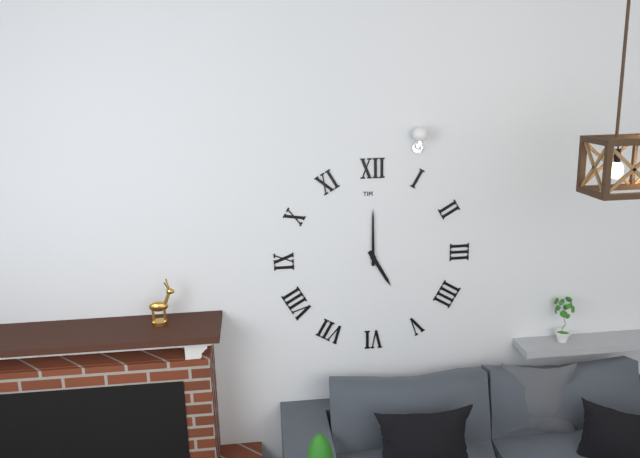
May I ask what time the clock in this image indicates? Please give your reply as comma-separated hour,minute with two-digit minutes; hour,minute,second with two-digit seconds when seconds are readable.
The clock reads 5,00
